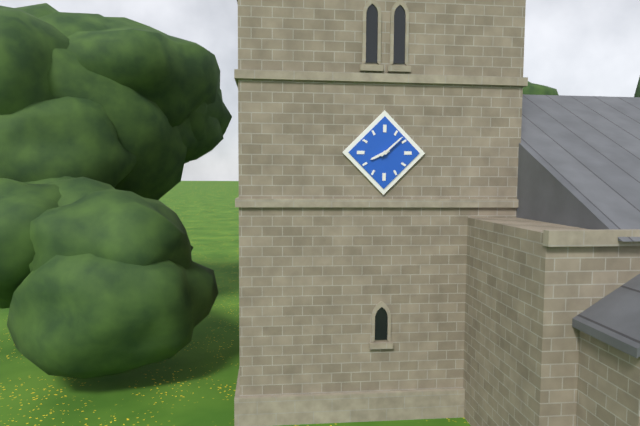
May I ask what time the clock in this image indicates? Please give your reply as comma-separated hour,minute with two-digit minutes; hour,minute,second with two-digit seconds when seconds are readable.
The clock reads 8,08
